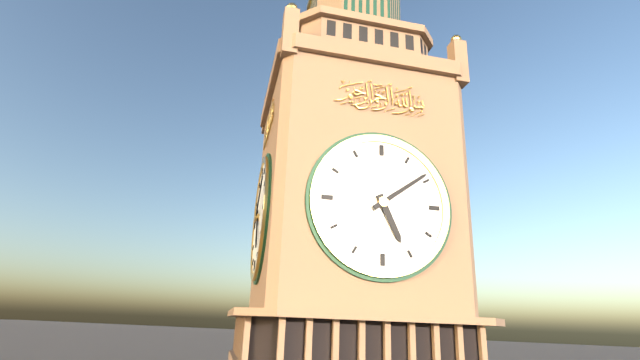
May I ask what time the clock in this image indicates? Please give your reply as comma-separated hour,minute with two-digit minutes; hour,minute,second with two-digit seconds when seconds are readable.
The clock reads 5,09
